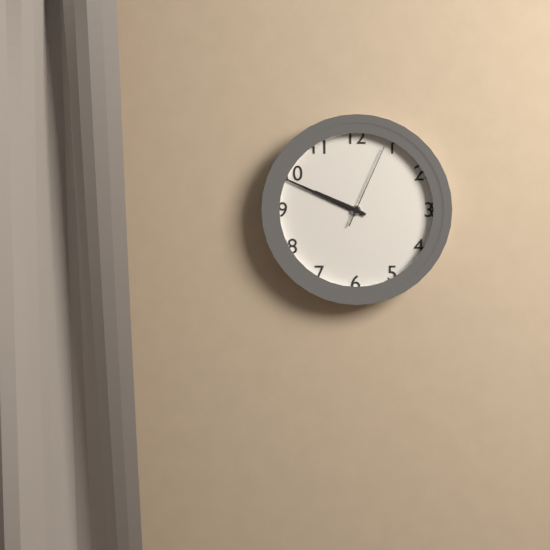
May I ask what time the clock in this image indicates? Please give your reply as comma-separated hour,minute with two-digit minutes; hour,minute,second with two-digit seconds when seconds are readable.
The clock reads 9,49,04
